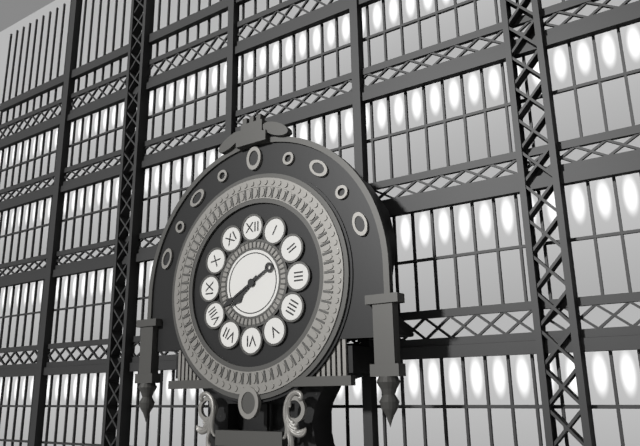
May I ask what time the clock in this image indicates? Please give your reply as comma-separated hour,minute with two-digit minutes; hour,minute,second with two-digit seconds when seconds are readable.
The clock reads 7,40
